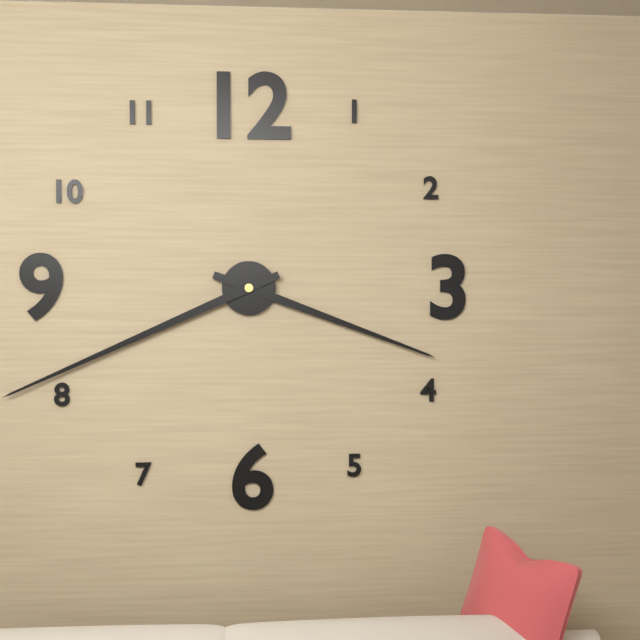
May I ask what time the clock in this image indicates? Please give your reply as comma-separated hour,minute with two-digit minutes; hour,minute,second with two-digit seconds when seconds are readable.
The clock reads 3,41
